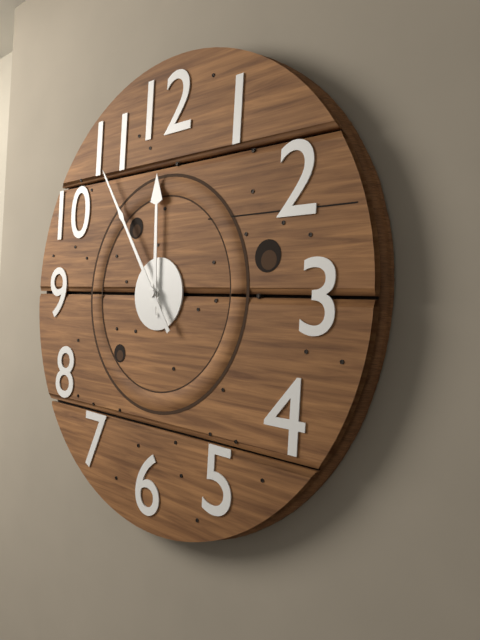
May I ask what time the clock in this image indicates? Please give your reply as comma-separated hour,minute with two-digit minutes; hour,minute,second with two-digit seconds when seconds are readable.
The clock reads 11,54
